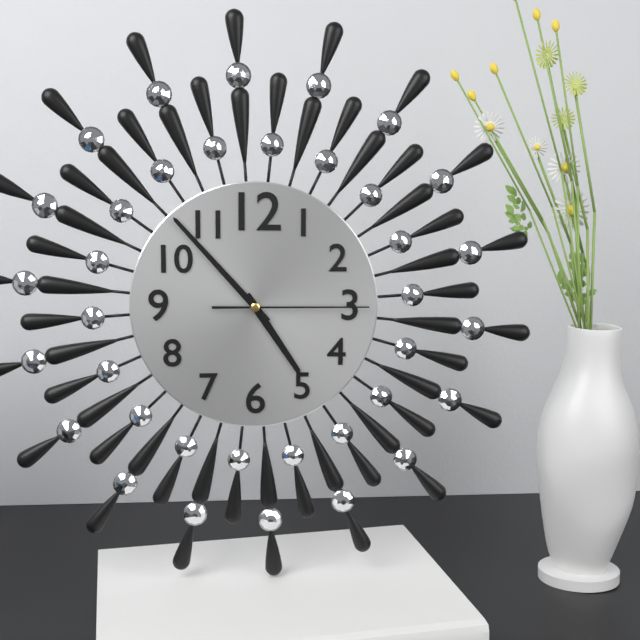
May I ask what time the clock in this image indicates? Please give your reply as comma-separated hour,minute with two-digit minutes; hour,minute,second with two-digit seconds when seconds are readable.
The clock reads 4,53,15
